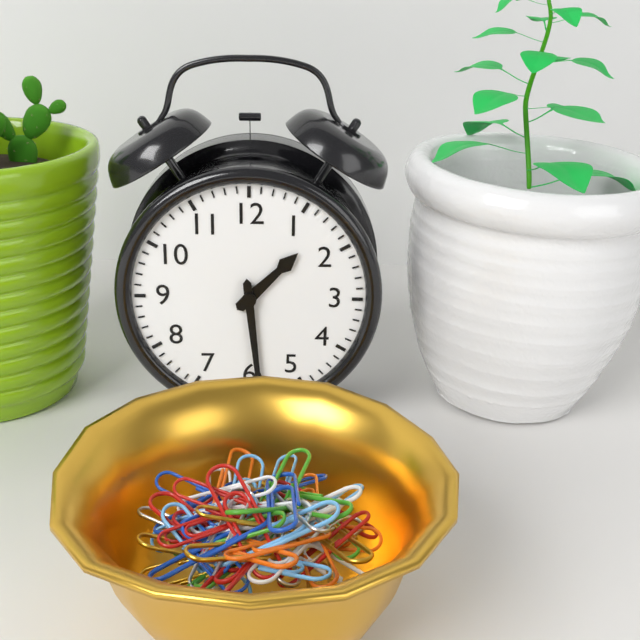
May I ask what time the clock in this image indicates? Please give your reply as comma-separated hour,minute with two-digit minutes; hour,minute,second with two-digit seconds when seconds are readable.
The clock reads 1,29
